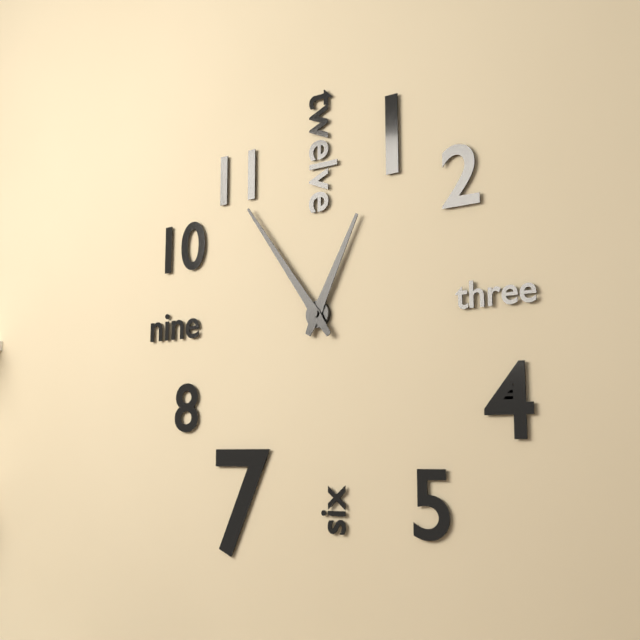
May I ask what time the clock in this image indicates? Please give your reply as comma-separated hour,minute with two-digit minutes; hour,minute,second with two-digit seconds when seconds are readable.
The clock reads 12,54
